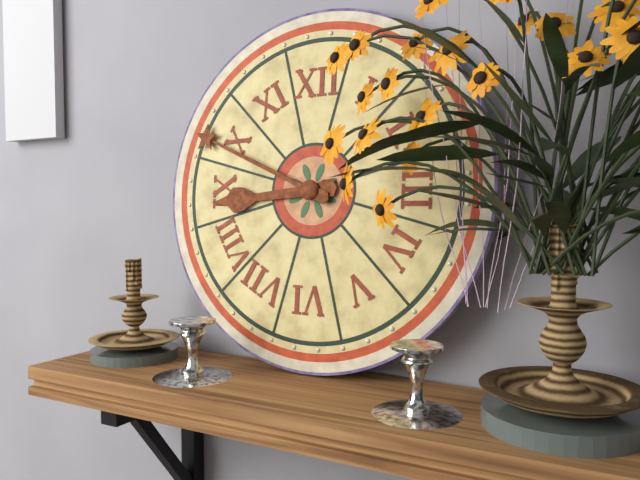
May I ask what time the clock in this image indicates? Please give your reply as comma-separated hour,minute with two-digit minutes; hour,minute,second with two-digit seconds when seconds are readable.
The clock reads 8,49
